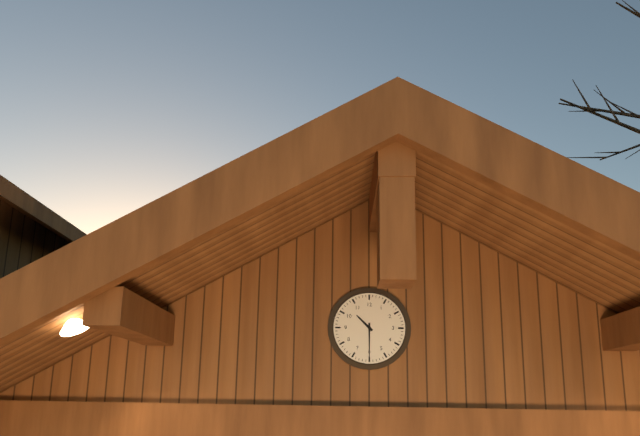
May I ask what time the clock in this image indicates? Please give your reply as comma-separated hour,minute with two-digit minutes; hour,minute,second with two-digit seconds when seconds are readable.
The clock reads 10,30
